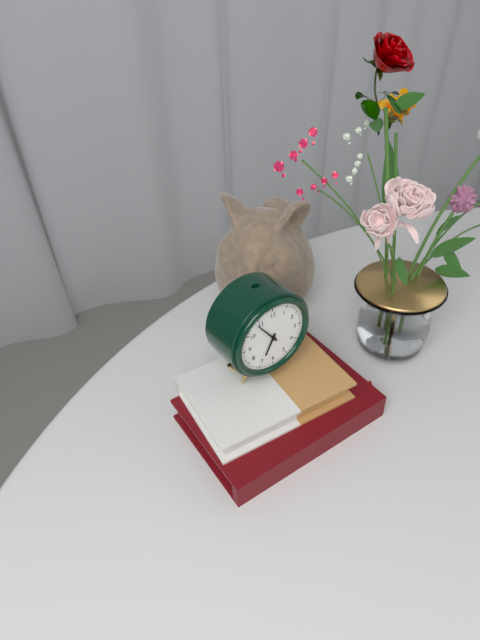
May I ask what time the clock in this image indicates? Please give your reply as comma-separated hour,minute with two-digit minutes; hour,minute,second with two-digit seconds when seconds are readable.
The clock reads 6,54
